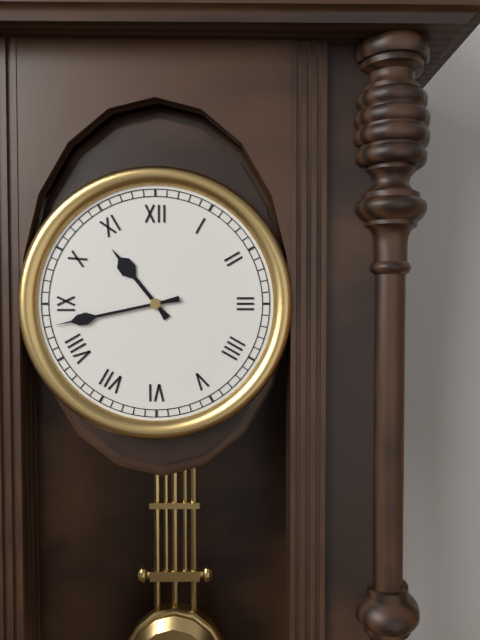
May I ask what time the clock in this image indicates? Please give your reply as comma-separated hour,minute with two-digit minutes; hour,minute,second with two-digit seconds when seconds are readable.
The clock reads 10,43
